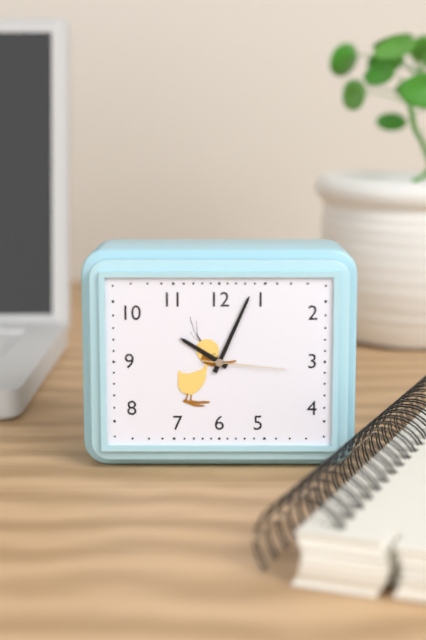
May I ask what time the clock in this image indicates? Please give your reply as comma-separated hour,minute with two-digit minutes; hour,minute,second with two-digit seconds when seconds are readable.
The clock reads 10,04,16
